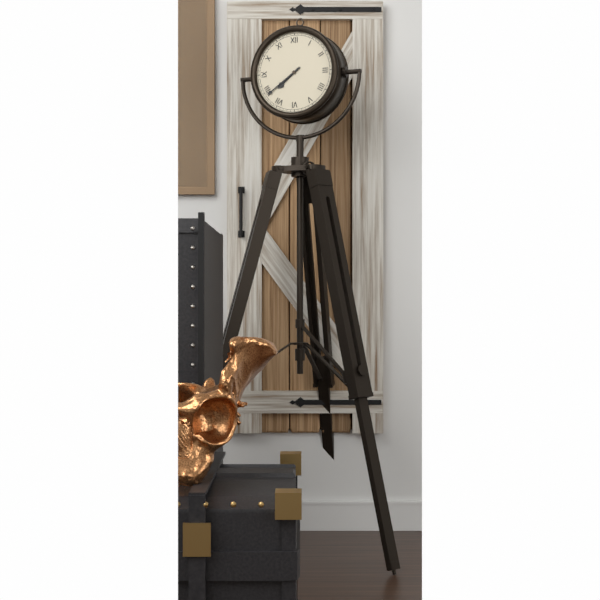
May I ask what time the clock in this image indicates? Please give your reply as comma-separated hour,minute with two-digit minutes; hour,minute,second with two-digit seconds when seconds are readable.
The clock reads 7,39
